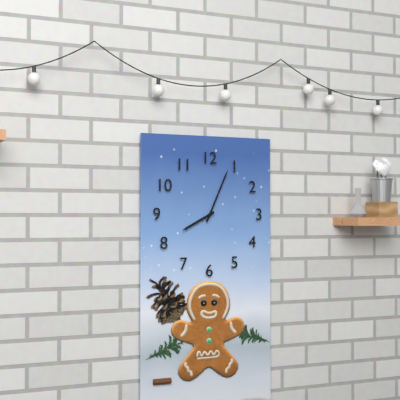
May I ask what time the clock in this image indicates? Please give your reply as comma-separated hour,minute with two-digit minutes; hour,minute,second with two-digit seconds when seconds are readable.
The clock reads 8,04
